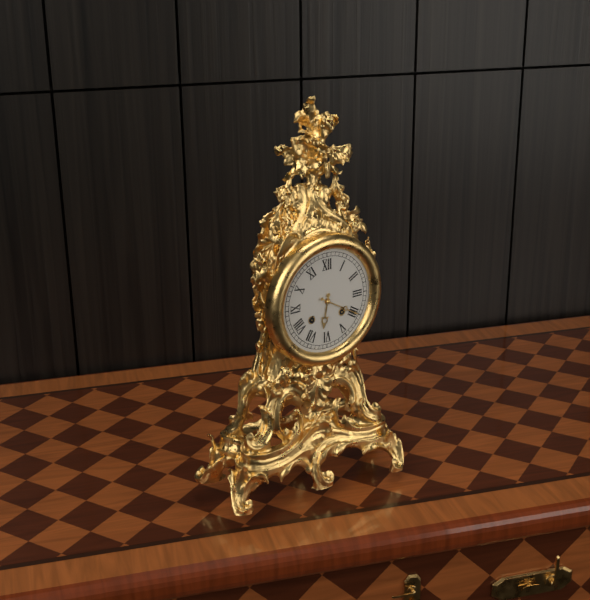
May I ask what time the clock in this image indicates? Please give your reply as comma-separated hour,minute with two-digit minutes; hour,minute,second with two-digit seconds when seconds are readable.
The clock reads 6,20
